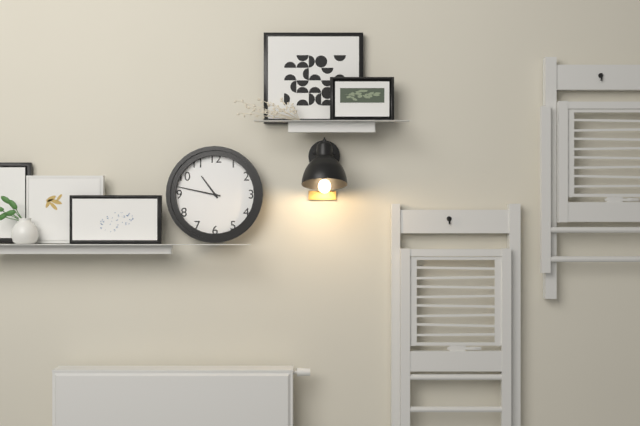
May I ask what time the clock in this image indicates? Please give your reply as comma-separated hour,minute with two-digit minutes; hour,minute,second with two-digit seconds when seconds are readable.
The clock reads 10,47
